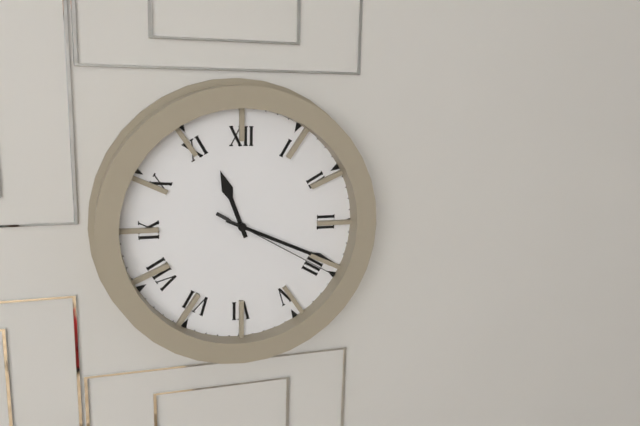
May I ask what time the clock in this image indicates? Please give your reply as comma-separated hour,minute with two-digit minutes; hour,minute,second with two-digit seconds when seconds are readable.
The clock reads 11,19,20
